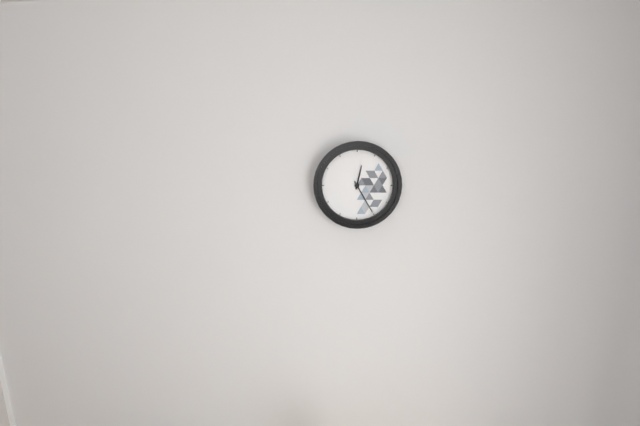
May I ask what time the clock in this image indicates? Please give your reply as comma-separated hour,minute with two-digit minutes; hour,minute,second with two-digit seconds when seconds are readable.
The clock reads 12,25
